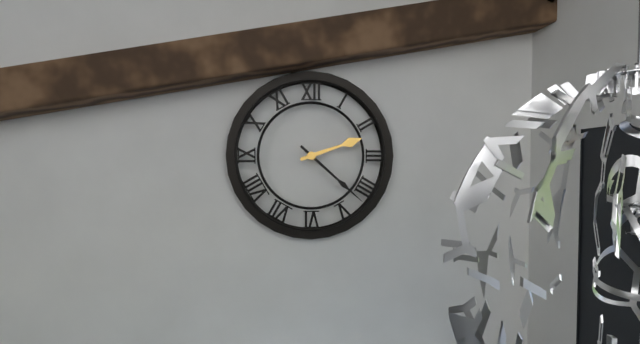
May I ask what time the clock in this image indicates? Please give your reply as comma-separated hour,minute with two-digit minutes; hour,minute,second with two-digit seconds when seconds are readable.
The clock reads 2,22
